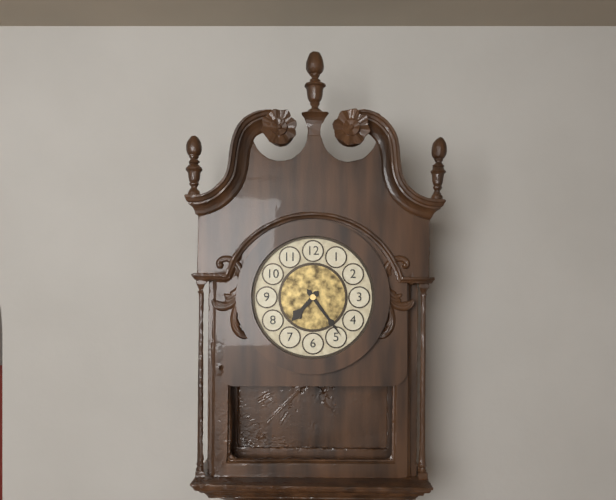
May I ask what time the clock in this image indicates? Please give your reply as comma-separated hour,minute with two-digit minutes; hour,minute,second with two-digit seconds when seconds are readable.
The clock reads 7,24
